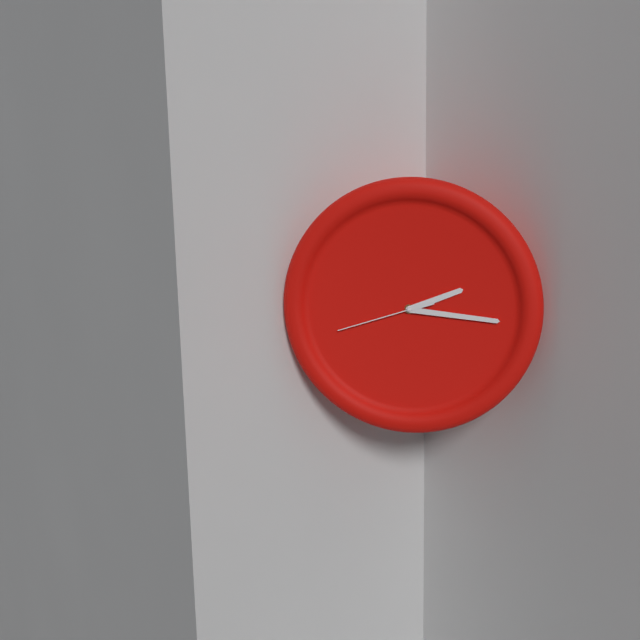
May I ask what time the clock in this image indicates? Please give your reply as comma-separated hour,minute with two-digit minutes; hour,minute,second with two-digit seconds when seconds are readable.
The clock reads 2,16,42
